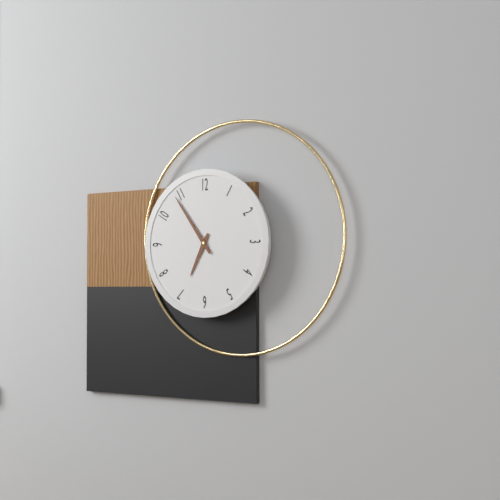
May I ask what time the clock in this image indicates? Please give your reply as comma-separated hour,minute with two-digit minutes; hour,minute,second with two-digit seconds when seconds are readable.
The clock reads 6,54
